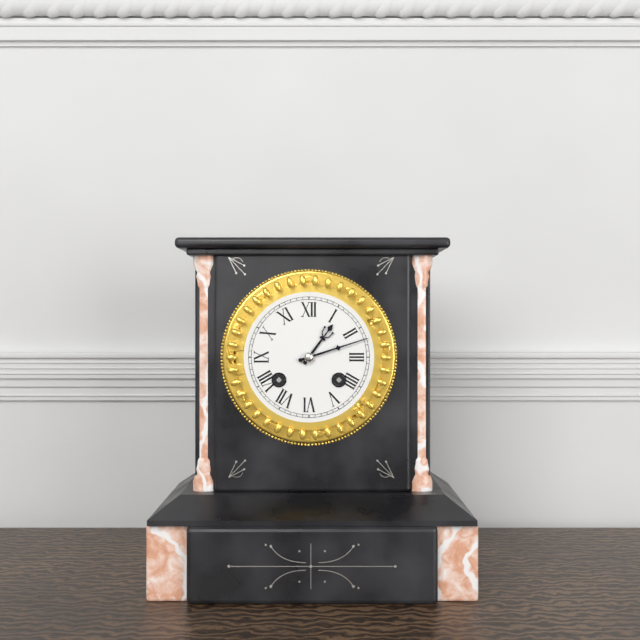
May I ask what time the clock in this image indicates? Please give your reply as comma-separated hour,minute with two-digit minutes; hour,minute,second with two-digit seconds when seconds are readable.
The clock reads 1,12
